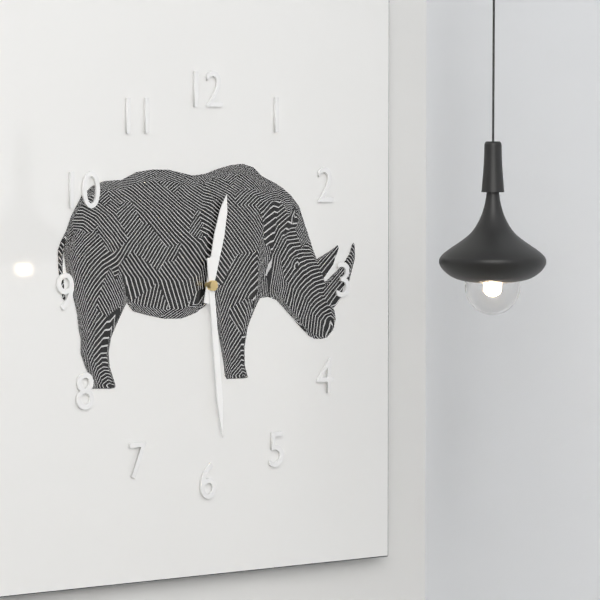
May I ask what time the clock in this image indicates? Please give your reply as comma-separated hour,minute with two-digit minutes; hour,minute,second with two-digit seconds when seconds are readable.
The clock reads 12,29
